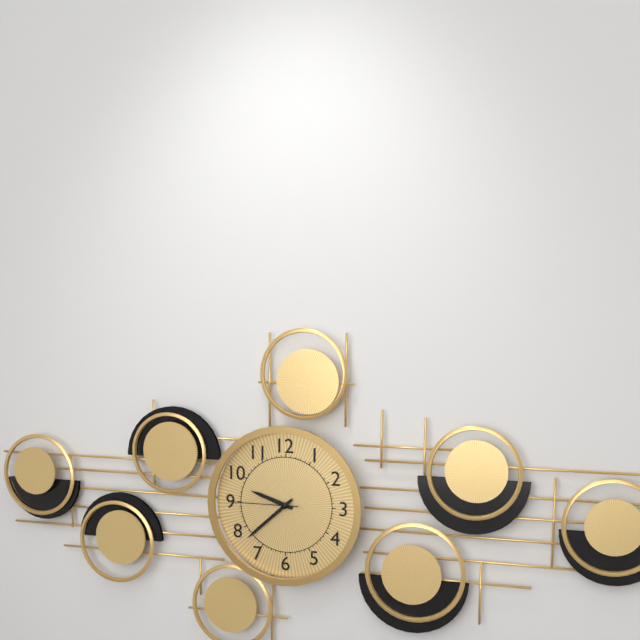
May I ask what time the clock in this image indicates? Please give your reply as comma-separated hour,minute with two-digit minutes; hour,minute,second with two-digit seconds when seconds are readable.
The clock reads 9,38,45
